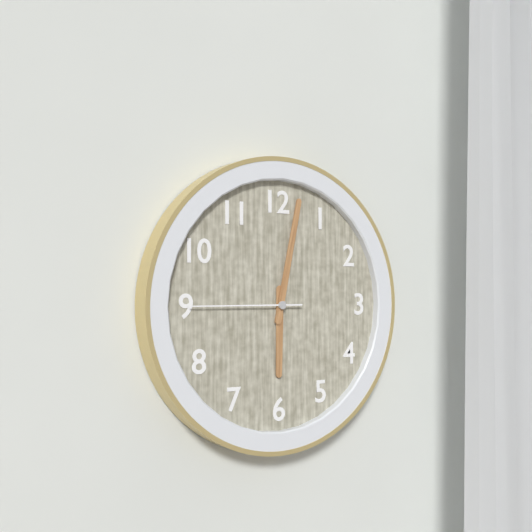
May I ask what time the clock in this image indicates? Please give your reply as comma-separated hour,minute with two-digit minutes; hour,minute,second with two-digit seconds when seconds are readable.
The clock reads 6,02,45
